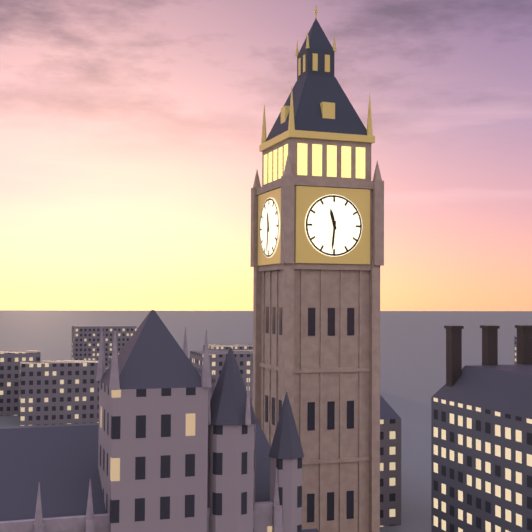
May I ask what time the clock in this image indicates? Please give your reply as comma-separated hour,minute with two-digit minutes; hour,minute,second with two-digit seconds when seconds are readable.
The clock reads 11,31
